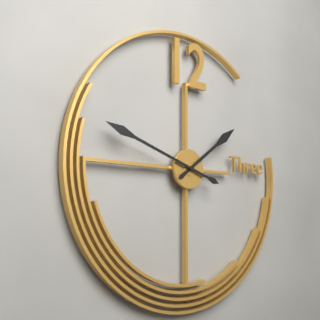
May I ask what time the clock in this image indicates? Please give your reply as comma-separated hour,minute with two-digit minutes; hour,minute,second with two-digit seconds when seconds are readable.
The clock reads 1,48
